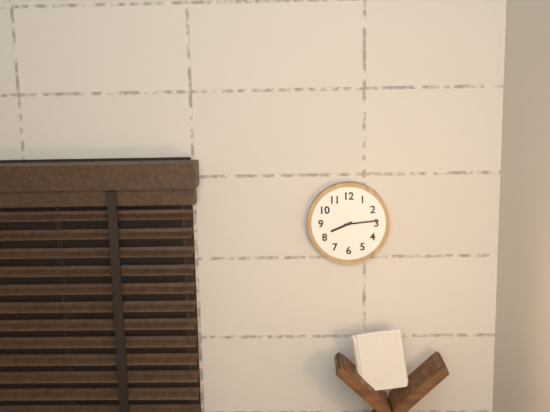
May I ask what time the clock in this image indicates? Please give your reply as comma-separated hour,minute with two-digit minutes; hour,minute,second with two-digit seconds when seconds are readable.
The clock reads 8,14
